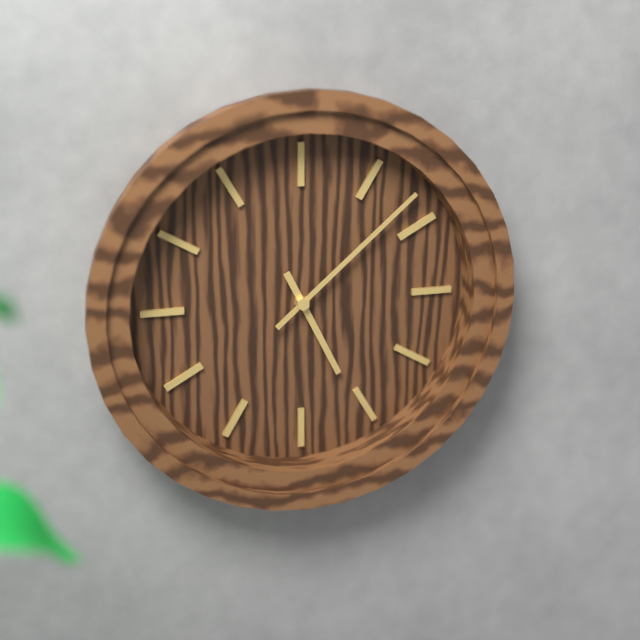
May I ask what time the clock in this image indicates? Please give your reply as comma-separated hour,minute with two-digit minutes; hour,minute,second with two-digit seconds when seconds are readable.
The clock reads 5,08
